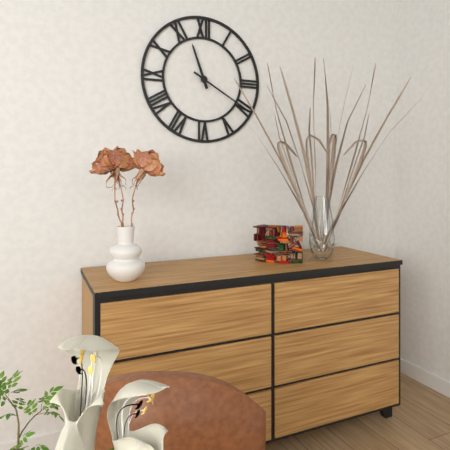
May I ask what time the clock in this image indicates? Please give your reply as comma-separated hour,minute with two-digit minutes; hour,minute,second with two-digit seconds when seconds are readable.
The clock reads 11,20
